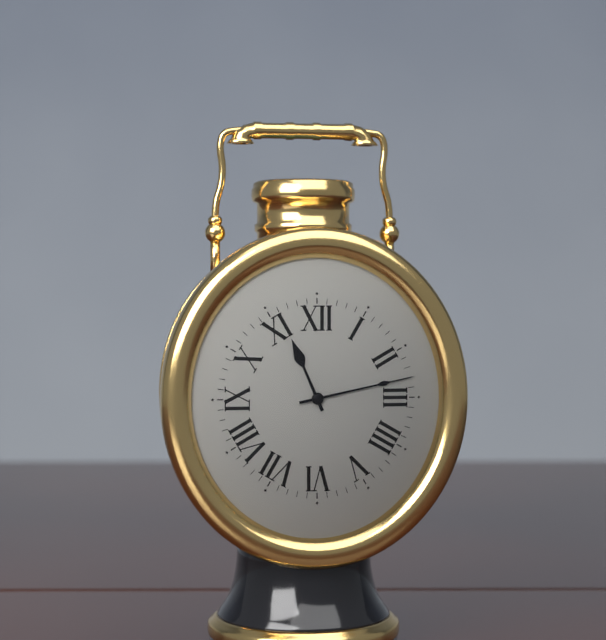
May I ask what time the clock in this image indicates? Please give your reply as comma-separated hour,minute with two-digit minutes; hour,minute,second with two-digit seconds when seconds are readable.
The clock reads 11,13
